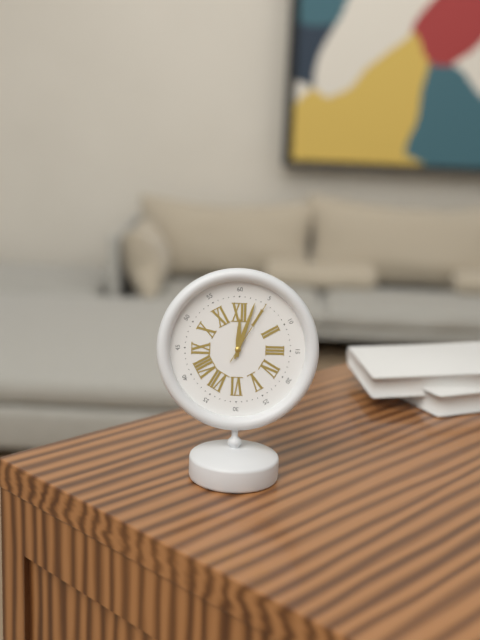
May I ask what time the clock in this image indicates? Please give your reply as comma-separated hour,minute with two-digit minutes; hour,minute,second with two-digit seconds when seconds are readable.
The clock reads 12,03,05
